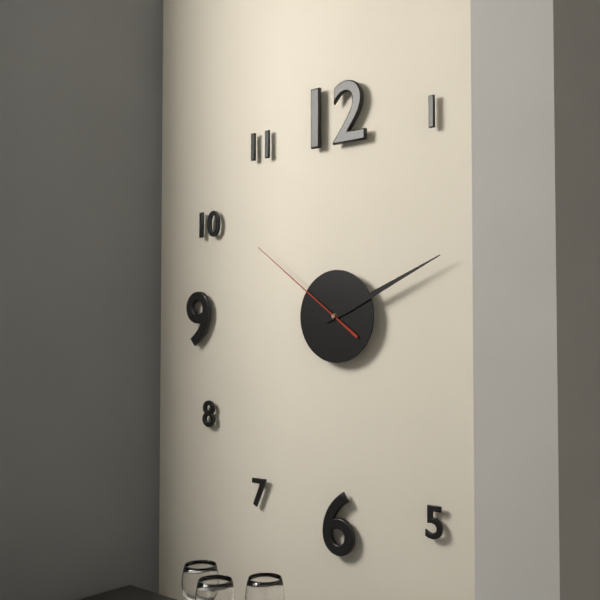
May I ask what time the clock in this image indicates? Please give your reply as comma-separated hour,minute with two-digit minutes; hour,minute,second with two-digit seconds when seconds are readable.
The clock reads 2,11,51
